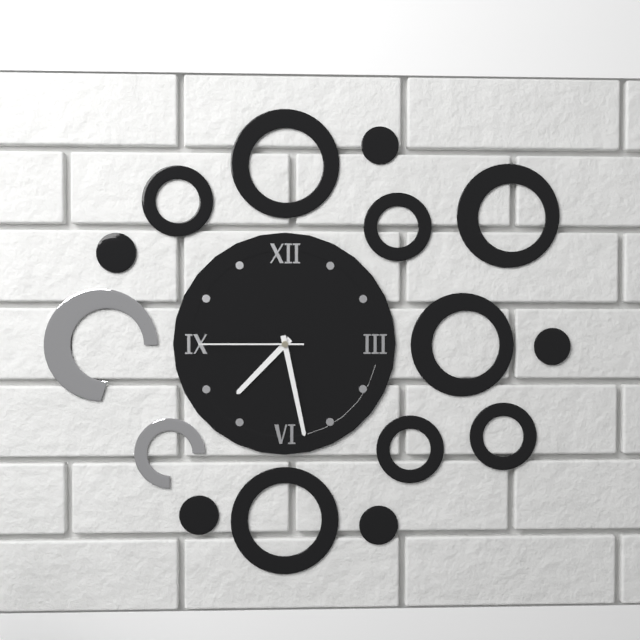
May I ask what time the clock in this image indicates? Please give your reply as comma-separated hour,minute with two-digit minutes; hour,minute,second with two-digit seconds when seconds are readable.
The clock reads 7,28,45
